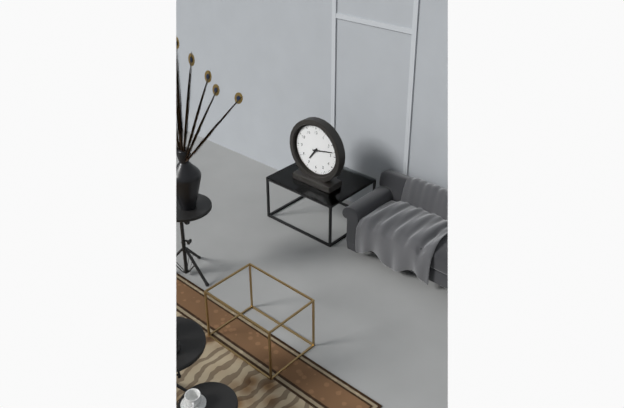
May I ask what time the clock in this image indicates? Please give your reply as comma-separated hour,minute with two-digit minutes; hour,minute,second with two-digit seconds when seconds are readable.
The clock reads 7,13
